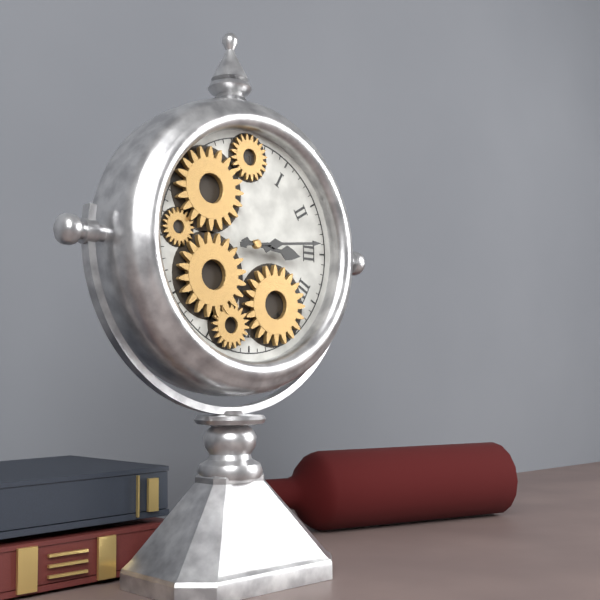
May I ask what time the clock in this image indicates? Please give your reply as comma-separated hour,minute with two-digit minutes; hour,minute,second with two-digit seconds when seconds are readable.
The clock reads 3,14
